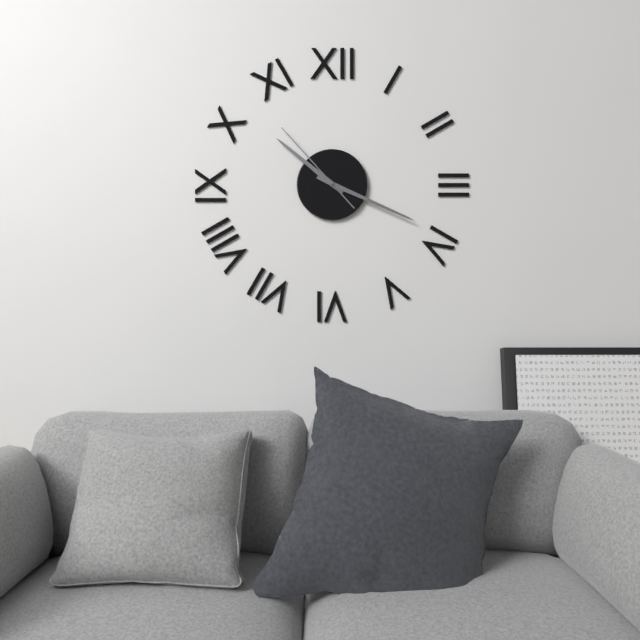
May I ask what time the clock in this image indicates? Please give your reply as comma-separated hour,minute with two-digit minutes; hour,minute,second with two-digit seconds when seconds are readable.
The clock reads 10,19,53
